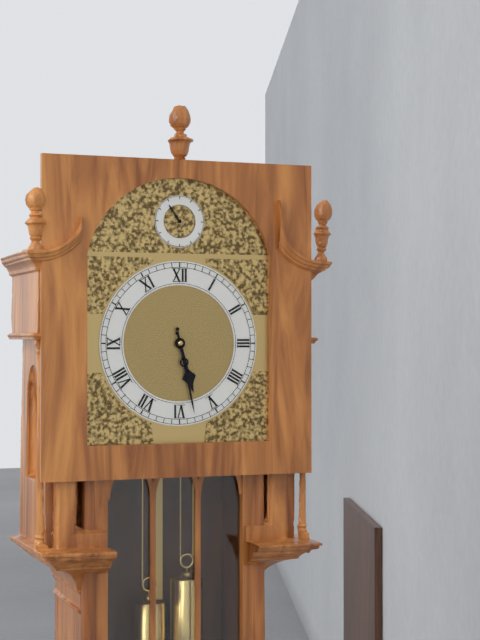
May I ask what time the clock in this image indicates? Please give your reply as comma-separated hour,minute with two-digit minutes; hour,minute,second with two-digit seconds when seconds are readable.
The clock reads 5,28
